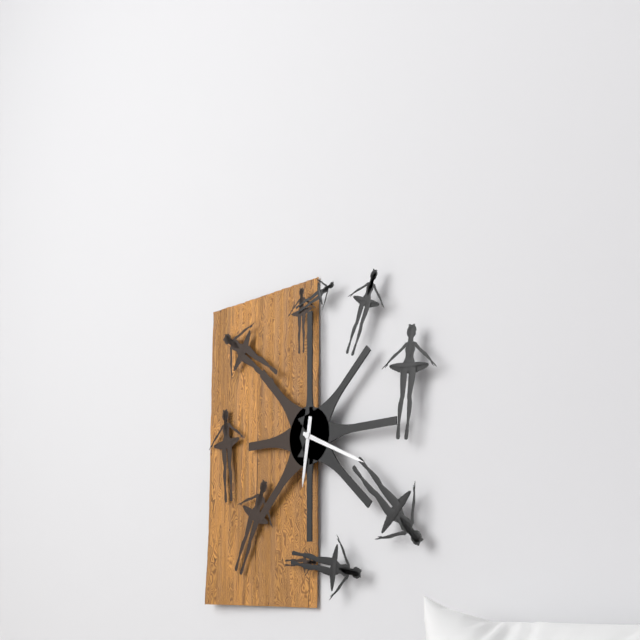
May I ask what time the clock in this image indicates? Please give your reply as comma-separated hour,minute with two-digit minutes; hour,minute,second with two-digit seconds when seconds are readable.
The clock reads 6,19
